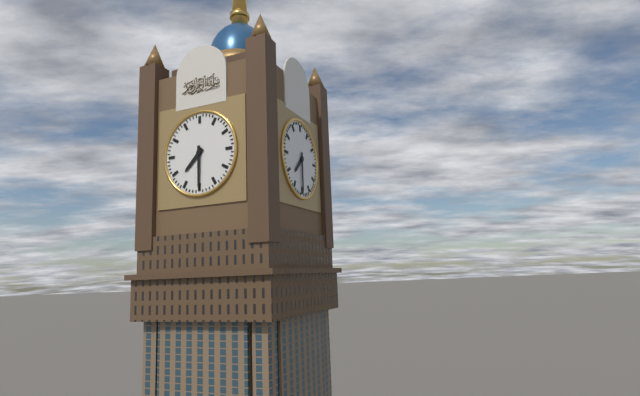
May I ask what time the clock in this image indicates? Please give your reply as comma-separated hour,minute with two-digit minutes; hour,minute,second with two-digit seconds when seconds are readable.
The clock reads 7,30
